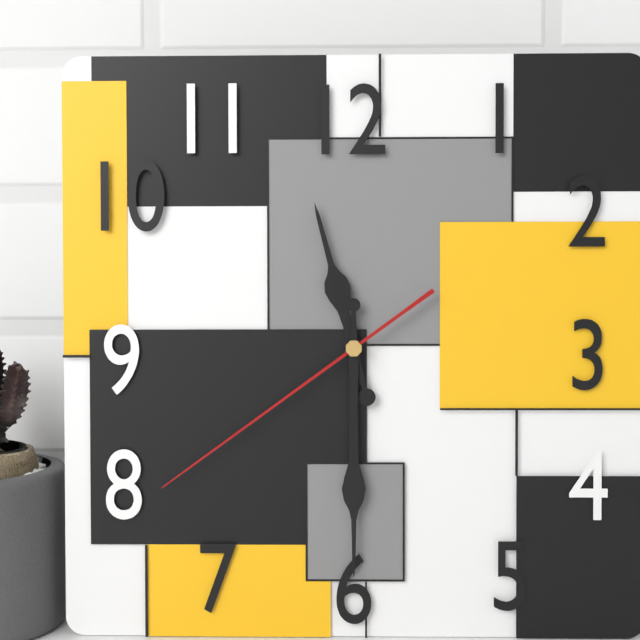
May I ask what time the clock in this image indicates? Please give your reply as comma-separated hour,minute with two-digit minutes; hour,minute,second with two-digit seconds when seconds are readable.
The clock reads 11,30,39
